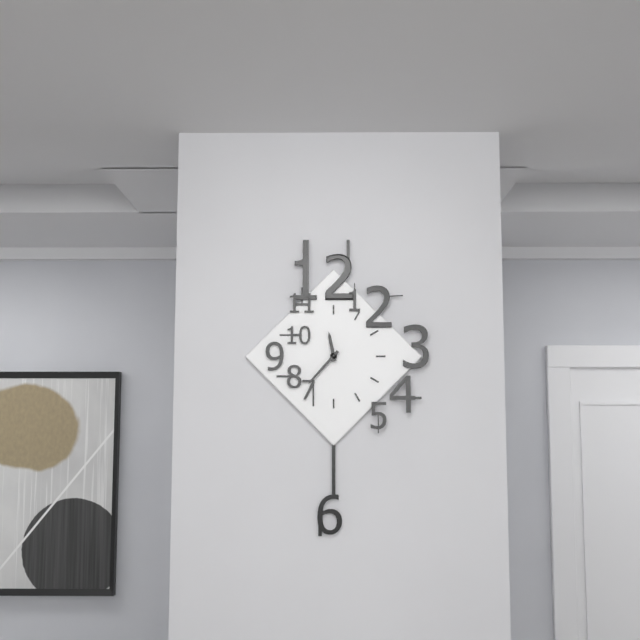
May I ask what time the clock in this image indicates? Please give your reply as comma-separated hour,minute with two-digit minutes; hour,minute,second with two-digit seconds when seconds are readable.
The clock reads 11,37
